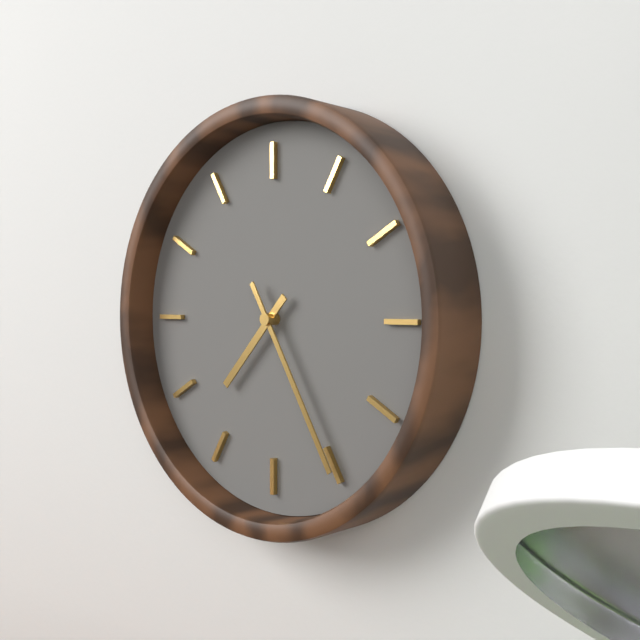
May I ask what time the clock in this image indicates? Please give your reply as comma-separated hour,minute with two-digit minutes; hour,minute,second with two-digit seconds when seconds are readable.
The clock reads 7,25
